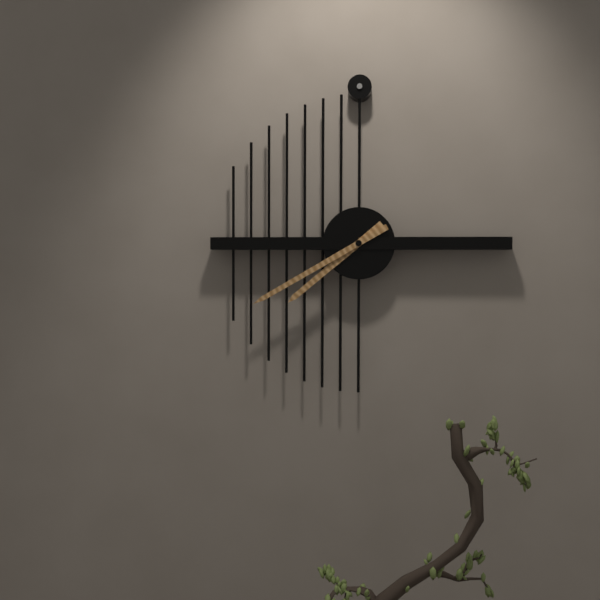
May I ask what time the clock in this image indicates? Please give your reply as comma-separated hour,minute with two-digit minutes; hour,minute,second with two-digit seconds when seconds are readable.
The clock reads 7,40
